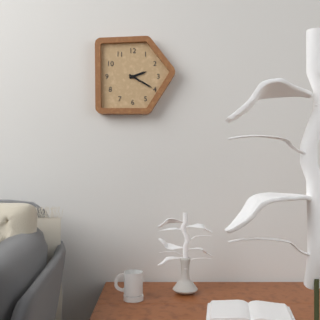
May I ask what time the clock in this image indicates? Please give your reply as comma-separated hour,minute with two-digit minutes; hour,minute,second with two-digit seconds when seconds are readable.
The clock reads 2,20
